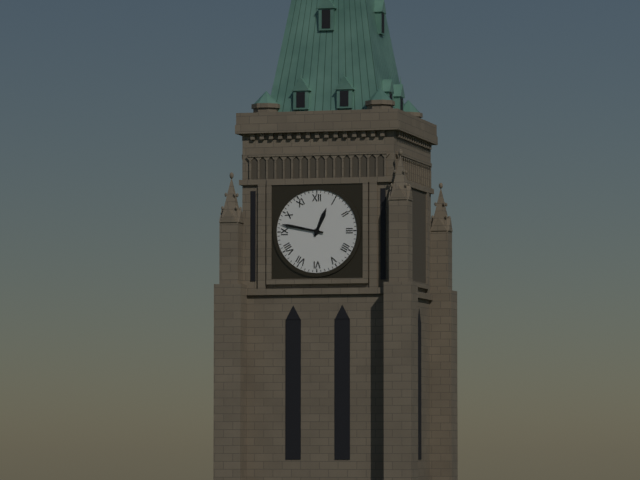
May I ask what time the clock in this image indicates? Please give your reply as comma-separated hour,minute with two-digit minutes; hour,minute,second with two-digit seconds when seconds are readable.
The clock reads 12,47
